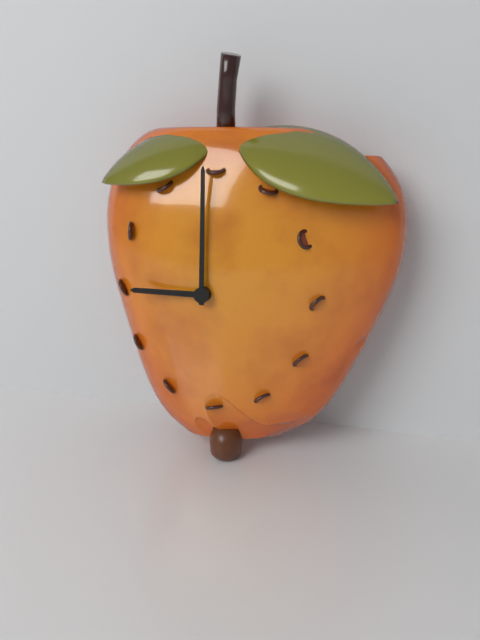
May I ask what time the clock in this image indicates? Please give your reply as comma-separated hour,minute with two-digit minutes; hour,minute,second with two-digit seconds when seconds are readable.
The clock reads 9,00
